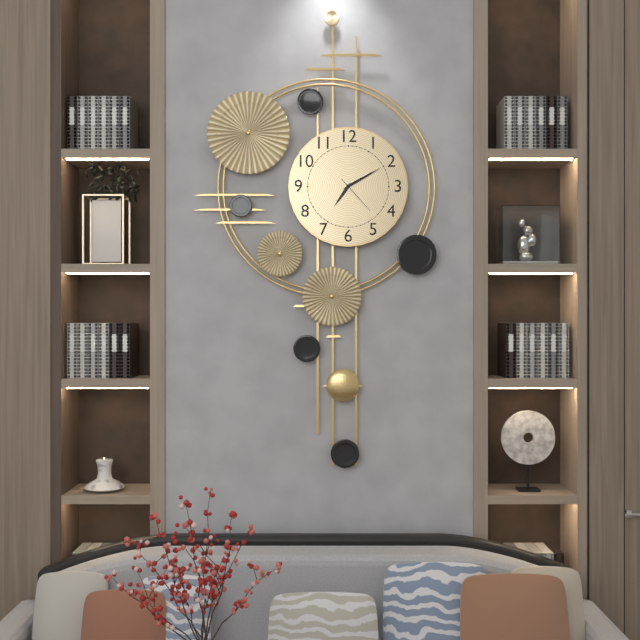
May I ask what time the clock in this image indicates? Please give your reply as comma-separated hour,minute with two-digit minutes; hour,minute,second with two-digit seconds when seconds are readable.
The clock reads 7,10
